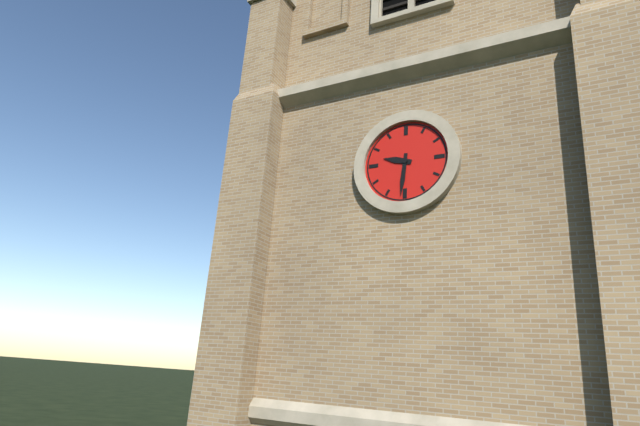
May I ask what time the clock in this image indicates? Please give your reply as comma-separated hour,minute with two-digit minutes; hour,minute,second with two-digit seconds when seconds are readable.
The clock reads 9,31
